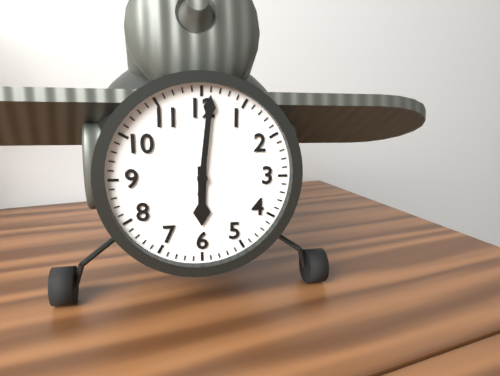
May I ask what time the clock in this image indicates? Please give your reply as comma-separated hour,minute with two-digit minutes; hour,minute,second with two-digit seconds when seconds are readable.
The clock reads 6,01
